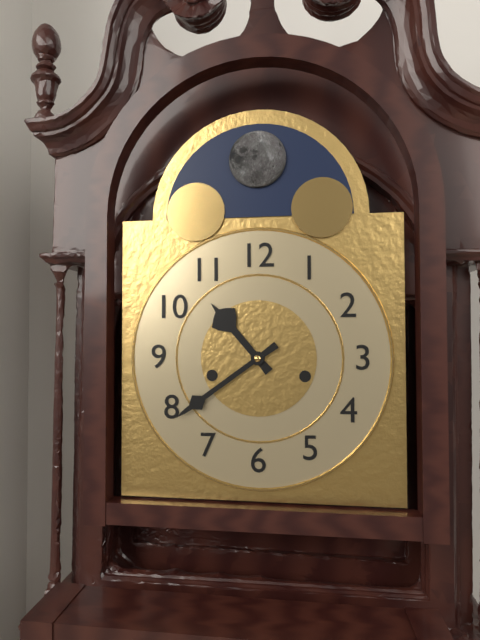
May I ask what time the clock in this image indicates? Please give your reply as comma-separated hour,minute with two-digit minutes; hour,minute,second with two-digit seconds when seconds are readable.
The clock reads 10,39
